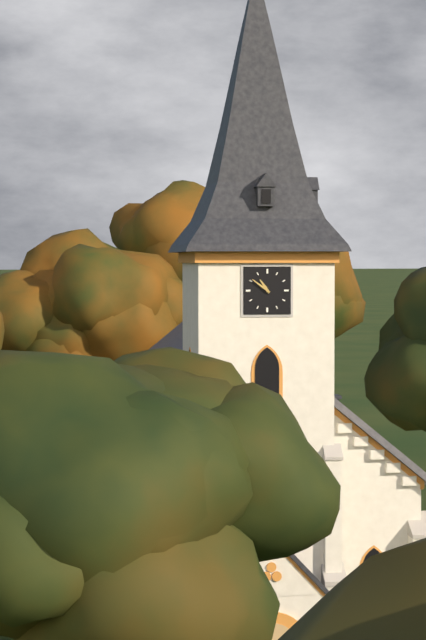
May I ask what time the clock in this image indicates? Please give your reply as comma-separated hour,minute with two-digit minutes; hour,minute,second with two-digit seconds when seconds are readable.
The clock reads 10,51
